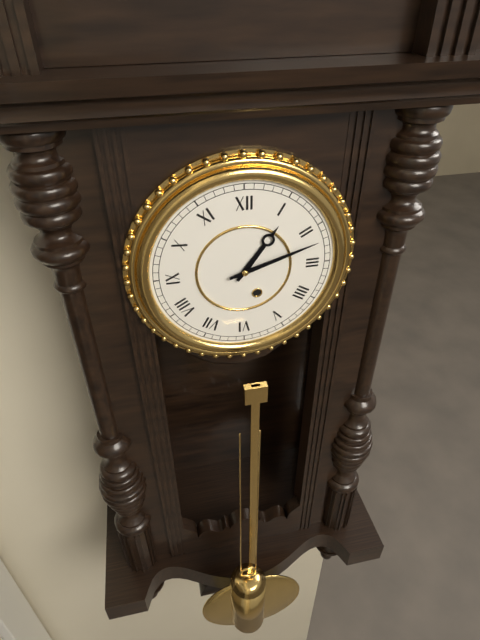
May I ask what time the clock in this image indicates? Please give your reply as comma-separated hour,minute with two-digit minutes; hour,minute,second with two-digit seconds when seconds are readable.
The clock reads 1,12
